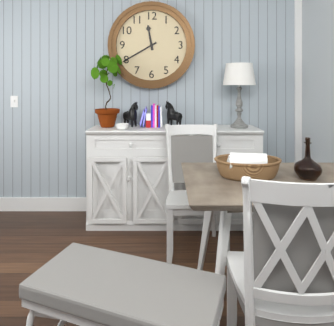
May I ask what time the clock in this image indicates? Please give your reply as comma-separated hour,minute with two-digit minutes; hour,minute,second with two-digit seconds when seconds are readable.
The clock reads 11,40
